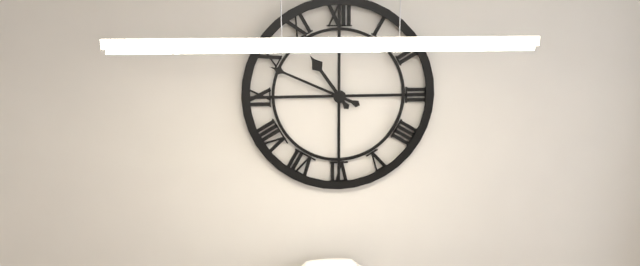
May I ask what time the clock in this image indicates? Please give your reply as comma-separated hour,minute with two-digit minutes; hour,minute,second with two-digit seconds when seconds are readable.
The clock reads 10,49
